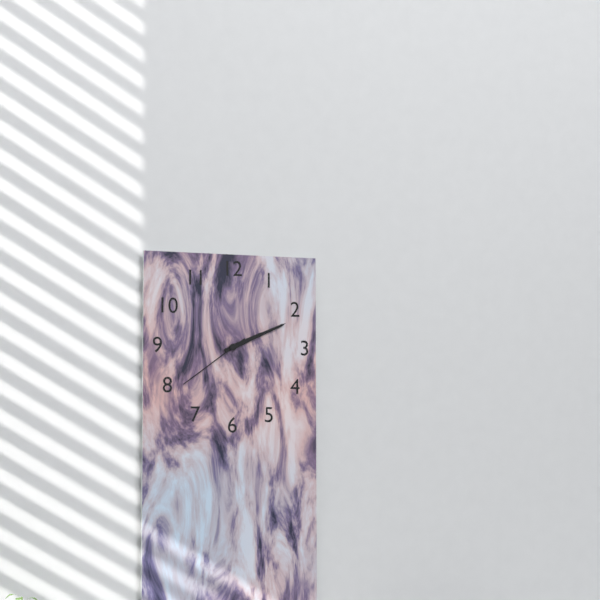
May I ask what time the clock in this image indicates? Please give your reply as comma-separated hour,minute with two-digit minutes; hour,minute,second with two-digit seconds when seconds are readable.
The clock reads 2,11,39
